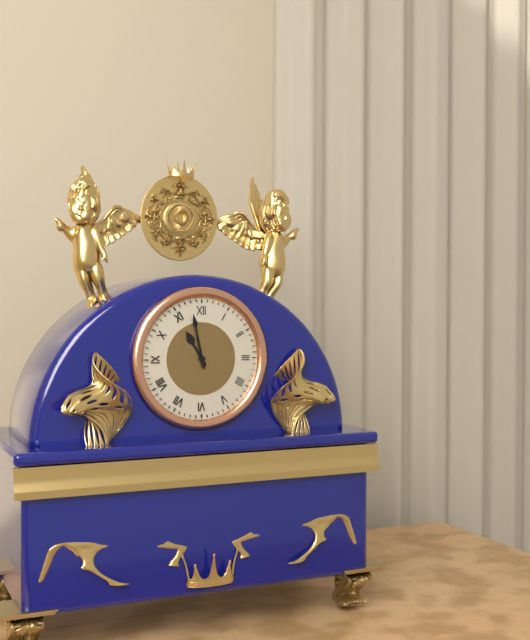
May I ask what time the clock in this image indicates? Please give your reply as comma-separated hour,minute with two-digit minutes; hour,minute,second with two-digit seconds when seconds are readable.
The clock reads 10,58
